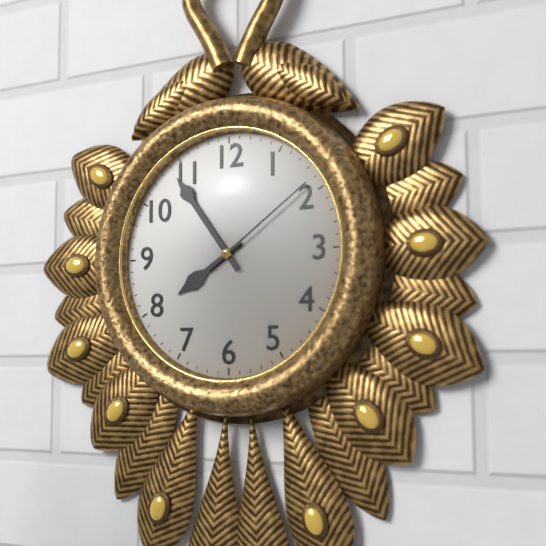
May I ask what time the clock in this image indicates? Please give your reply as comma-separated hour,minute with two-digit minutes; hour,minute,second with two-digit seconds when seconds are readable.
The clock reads 7,54,09
